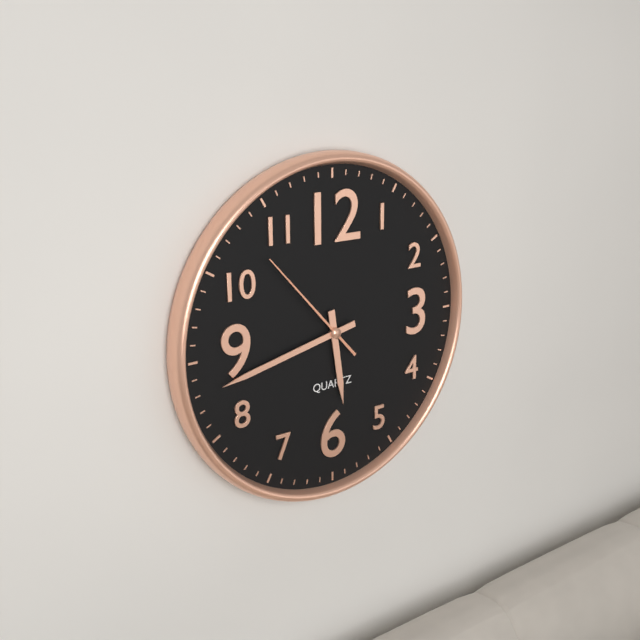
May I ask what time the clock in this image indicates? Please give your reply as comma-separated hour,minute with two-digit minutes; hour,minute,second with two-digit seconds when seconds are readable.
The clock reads 5,43,53
